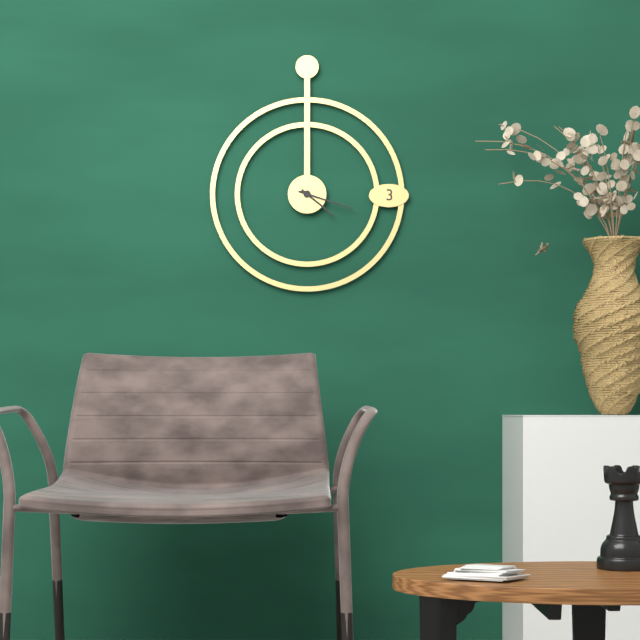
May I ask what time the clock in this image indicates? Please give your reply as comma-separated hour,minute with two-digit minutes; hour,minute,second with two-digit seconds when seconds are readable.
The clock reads 4,18
